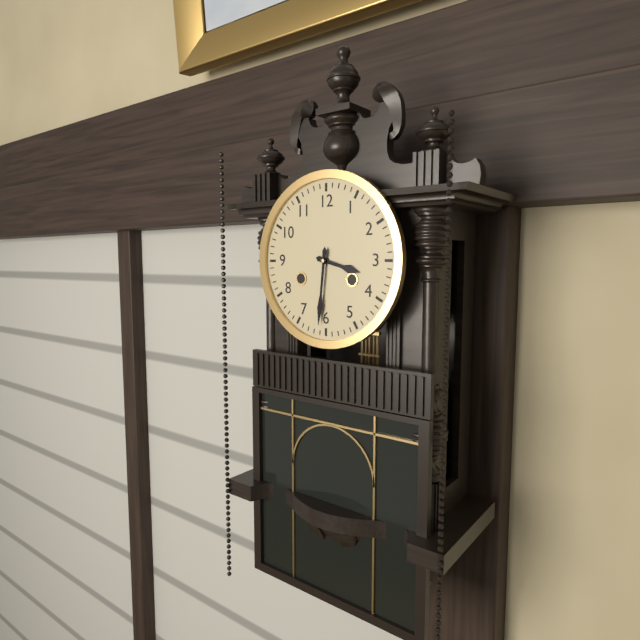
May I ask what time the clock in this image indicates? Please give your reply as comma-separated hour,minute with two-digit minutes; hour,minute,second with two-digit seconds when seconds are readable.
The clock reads 3,31
